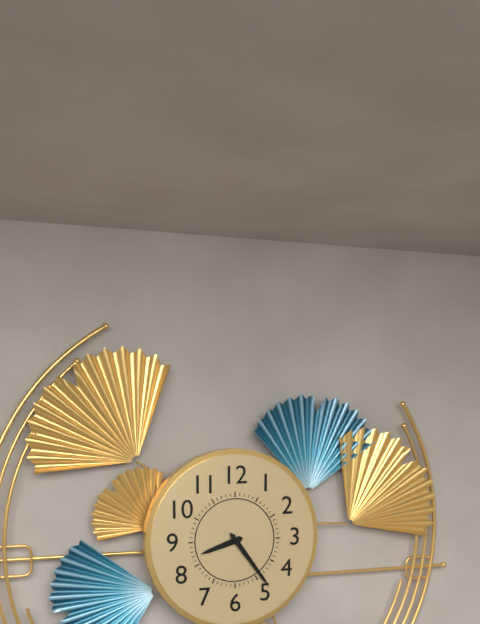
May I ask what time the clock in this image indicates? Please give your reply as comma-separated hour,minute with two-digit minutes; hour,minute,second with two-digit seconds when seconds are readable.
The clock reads 8,24
